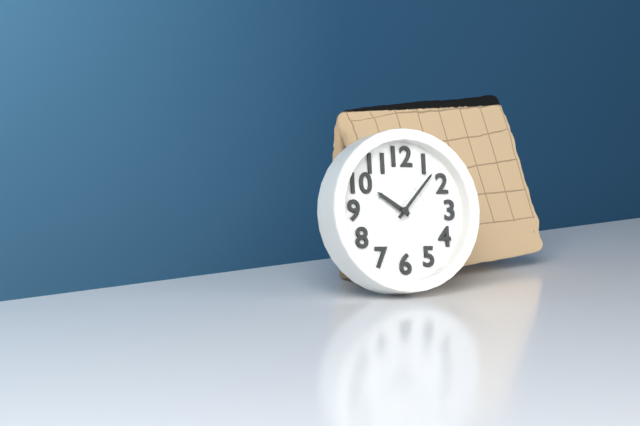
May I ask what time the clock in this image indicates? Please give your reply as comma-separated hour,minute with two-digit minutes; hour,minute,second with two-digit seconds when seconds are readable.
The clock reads 10,07
